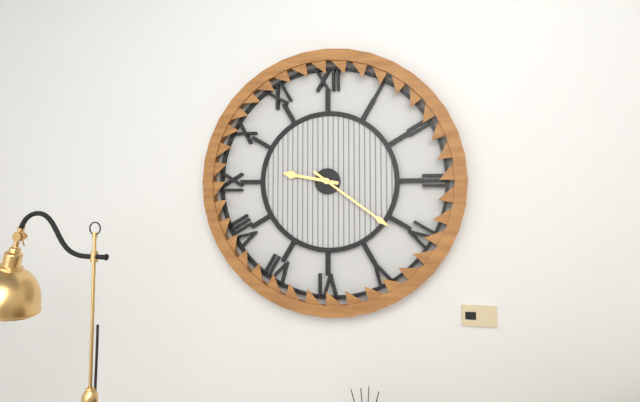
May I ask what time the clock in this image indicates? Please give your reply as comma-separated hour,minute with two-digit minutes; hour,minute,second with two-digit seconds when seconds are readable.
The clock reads 9,21
